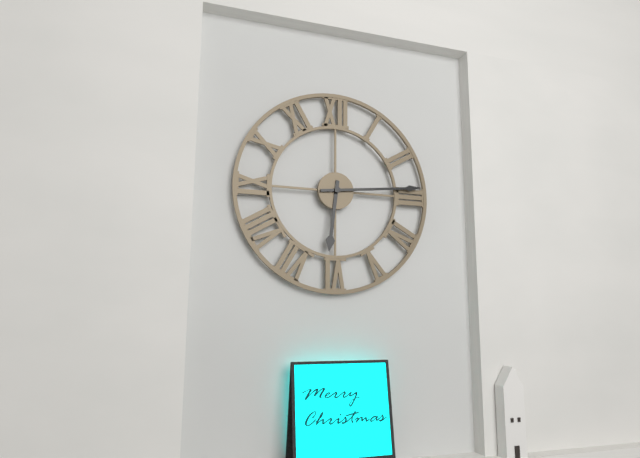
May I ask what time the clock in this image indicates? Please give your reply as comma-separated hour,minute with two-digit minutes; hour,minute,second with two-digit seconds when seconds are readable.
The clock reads 6,14
